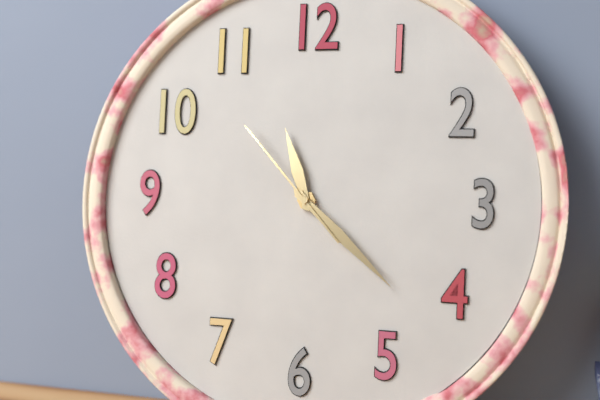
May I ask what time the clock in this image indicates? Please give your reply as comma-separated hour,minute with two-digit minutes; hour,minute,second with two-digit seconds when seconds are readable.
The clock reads 11,22,53
